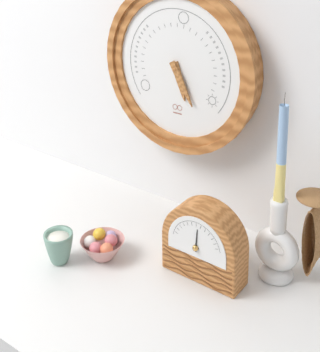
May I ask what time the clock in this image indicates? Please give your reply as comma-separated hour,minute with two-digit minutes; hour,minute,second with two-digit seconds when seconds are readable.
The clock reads 5,25
